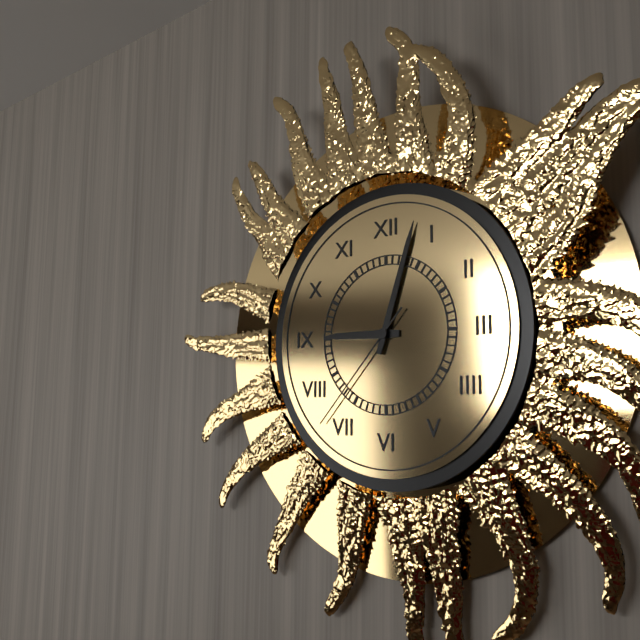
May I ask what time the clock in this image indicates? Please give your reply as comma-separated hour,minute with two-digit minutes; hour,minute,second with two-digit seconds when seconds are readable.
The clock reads 9,03,37
